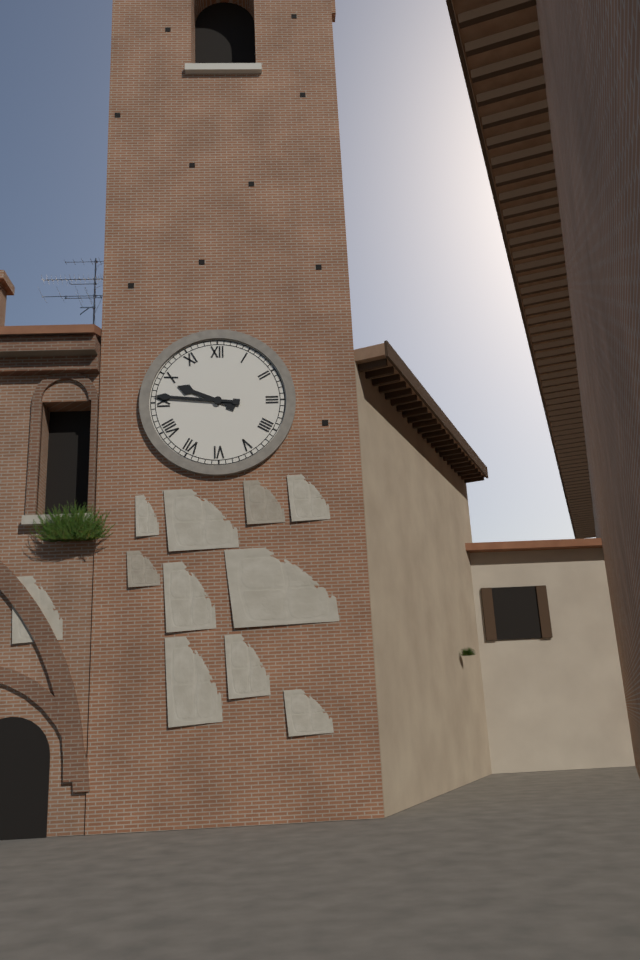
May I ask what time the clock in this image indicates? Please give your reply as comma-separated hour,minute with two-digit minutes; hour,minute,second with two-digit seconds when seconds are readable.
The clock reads 9,46
